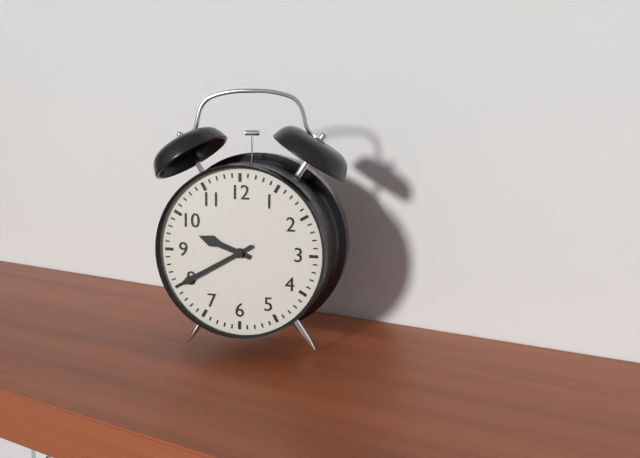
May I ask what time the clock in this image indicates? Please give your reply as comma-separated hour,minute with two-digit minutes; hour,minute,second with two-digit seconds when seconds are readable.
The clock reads 9,40
